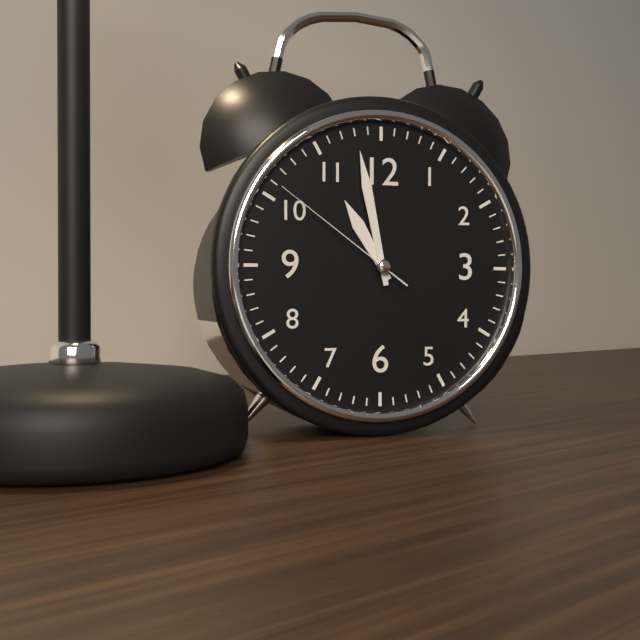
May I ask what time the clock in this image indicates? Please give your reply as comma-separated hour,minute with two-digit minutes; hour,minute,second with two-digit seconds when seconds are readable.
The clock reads 10,58,51
